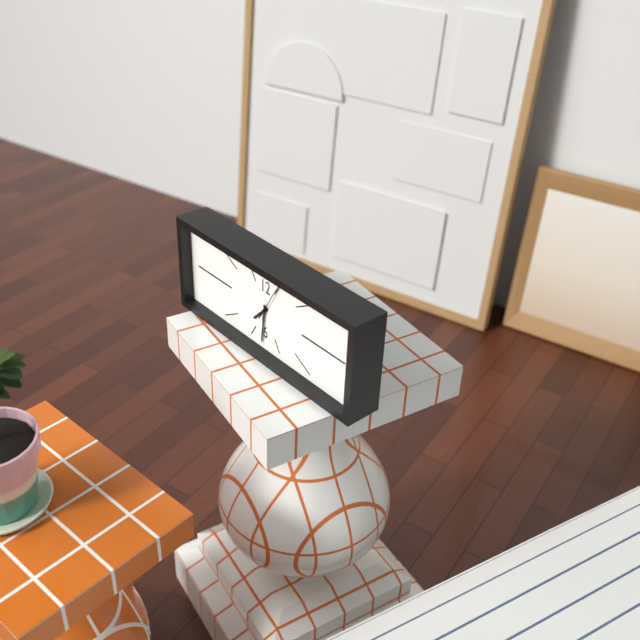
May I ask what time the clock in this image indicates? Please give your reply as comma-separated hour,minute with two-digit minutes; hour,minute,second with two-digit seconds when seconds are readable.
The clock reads 7,31
